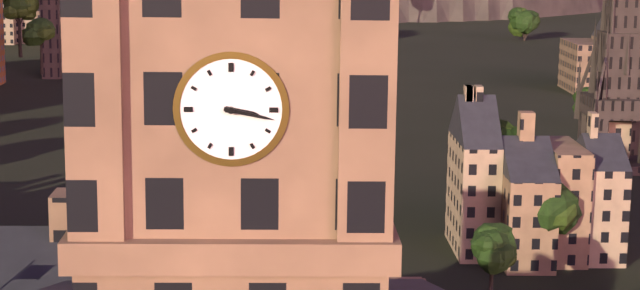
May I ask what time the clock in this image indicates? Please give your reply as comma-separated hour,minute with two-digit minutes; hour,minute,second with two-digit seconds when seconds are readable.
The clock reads 3,17
